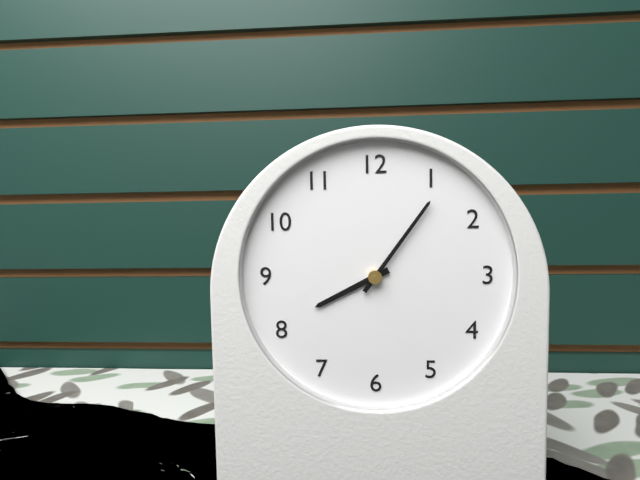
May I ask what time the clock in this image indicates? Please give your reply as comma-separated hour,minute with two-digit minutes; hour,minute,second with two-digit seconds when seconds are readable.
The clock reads 8,06
